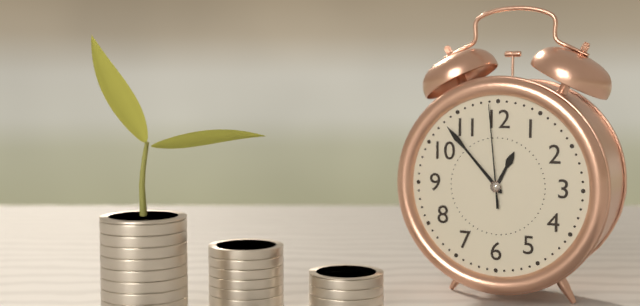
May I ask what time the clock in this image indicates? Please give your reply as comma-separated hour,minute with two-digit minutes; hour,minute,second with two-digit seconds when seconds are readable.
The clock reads 12,53,59
